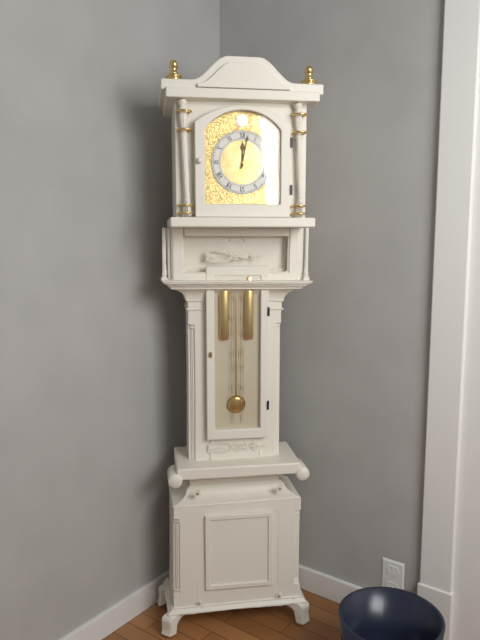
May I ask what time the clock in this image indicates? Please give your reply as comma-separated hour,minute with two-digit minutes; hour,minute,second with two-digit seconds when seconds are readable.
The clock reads 12,02
